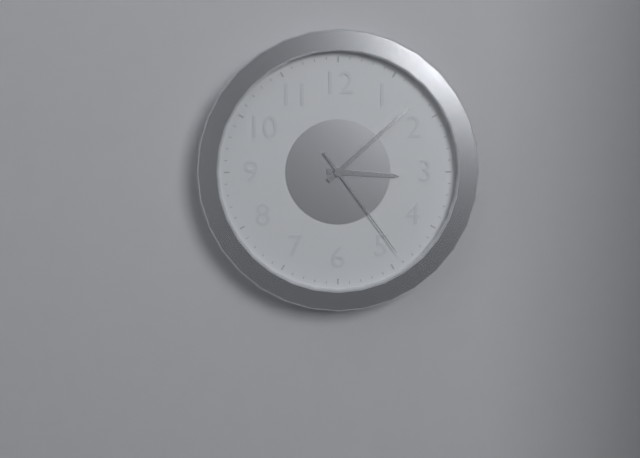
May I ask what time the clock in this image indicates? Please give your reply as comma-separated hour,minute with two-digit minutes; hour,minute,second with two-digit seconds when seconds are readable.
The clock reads 3,08,24
